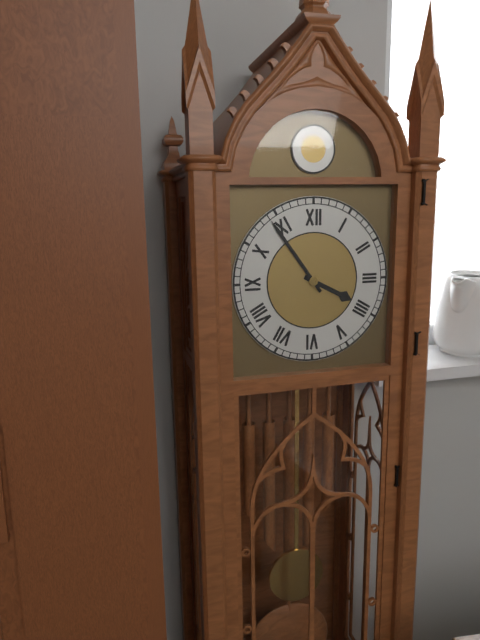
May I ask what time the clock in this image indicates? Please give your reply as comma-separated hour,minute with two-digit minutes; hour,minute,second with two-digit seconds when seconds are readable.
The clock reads 3,54
